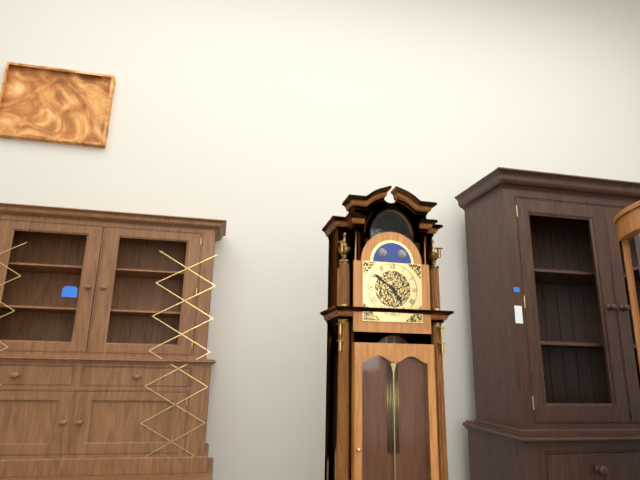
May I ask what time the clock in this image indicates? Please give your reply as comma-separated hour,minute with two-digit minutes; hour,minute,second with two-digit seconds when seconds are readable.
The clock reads 4,51
